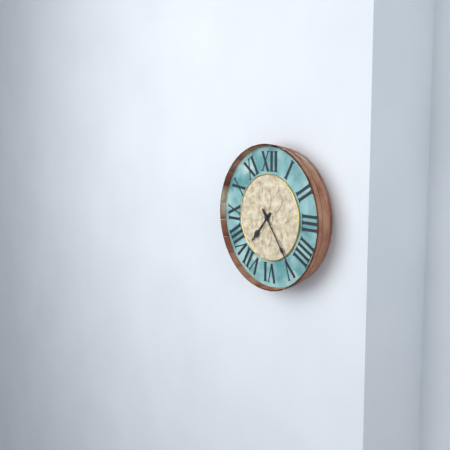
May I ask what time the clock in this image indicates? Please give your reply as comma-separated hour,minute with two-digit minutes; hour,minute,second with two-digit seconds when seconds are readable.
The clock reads 7,24
